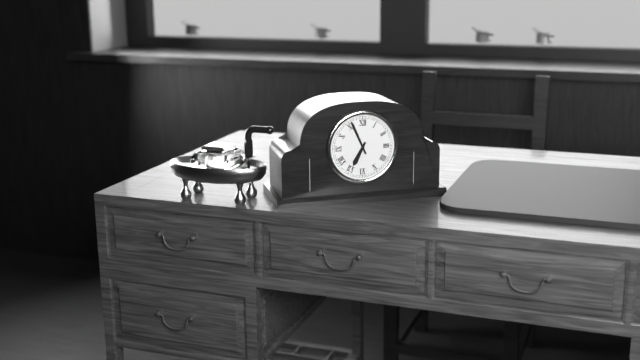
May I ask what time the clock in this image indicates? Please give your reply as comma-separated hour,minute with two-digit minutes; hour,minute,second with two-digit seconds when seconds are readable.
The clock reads 6,56
